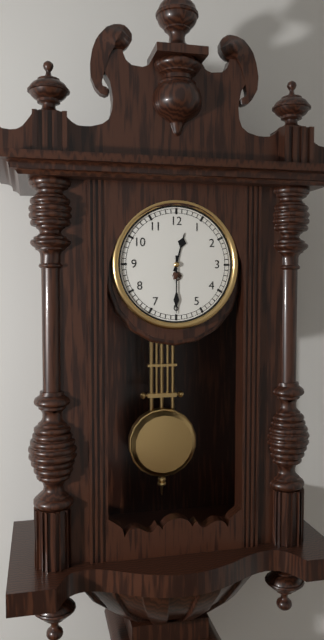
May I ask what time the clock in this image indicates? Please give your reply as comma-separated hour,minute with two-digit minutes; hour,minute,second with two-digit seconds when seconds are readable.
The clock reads 12,30
